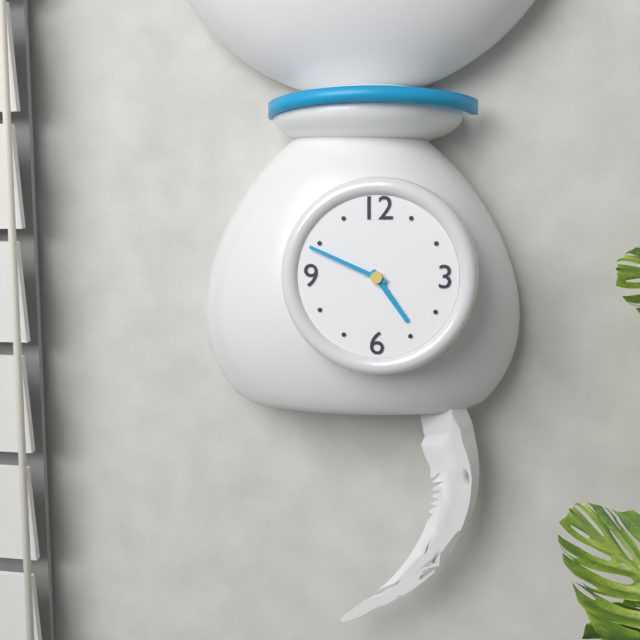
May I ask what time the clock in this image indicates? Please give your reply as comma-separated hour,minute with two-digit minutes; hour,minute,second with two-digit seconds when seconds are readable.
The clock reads 4,49
